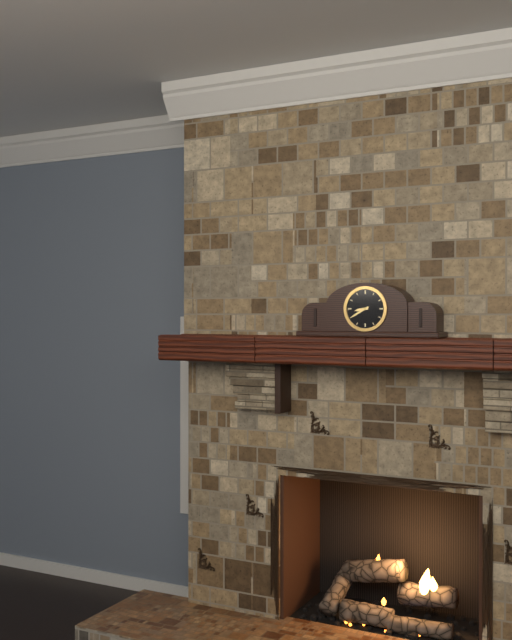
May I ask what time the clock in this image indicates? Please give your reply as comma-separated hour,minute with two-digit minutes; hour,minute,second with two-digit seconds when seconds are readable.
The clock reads 8,40
